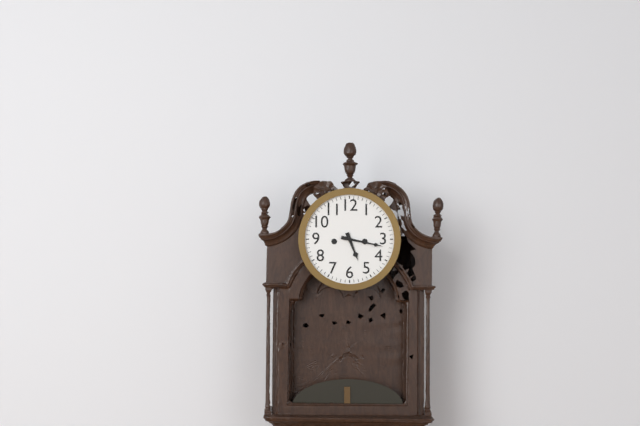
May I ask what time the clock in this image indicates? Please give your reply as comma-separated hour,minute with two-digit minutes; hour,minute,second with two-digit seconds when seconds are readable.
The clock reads 5,17
